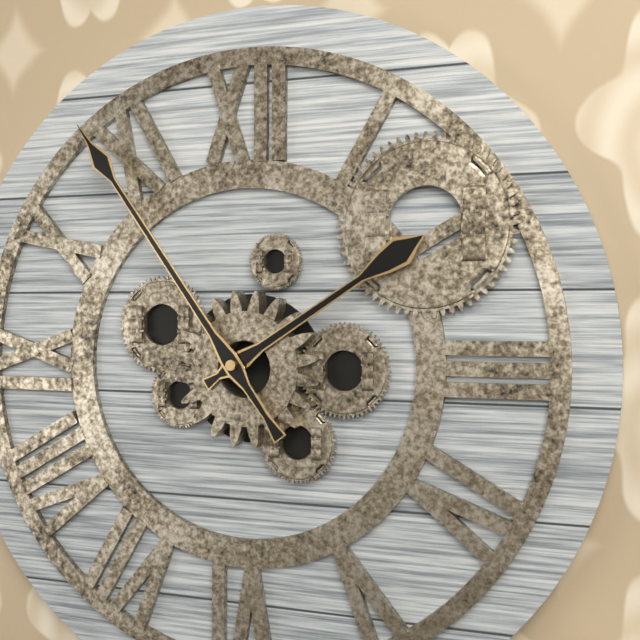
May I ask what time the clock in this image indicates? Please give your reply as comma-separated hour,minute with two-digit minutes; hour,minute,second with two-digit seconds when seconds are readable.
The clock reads 1,54
